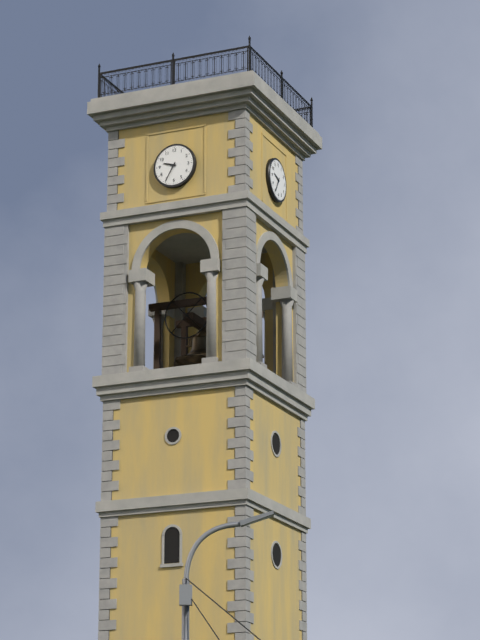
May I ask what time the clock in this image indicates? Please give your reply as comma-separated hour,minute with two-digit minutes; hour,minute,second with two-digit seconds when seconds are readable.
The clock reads 9,35
